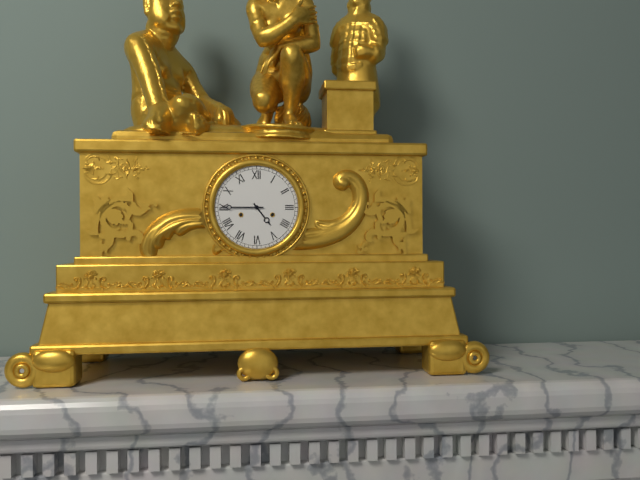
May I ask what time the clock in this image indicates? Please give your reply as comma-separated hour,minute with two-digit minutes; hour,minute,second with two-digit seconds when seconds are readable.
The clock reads 4,45
